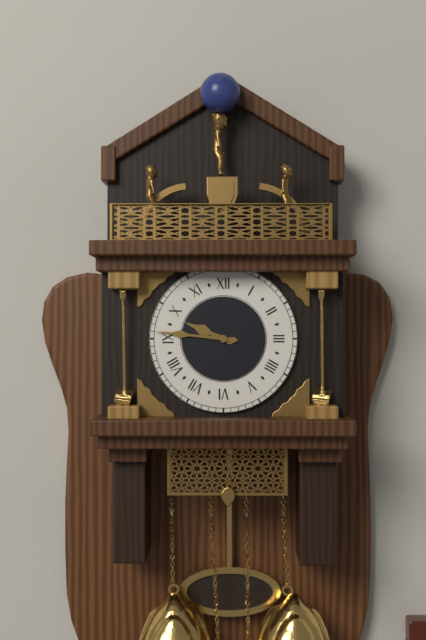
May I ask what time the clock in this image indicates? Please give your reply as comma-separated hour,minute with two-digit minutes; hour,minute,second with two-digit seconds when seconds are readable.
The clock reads 9,46
